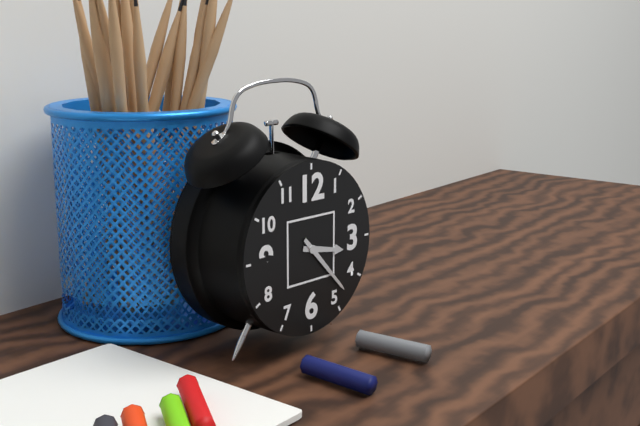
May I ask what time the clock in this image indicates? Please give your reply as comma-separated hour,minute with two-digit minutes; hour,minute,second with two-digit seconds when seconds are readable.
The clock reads 3,23
